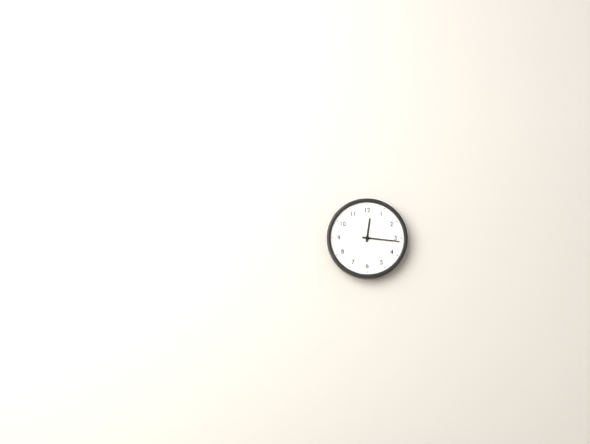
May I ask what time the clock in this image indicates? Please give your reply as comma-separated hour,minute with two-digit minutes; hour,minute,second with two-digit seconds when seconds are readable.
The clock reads 12,16
